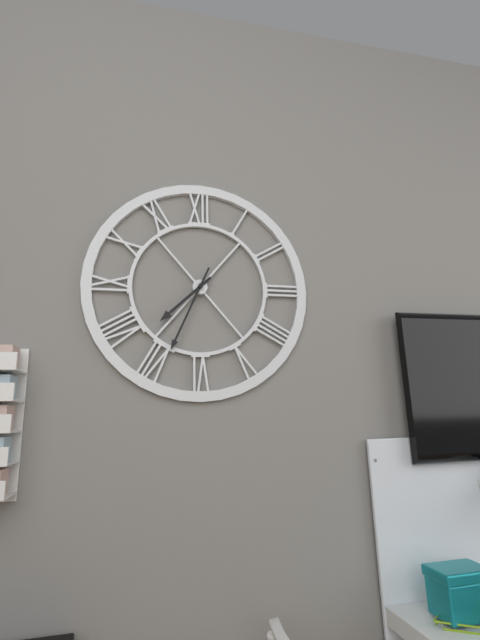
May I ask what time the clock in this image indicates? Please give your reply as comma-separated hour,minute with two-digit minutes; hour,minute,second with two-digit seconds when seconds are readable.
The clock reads 7,34
